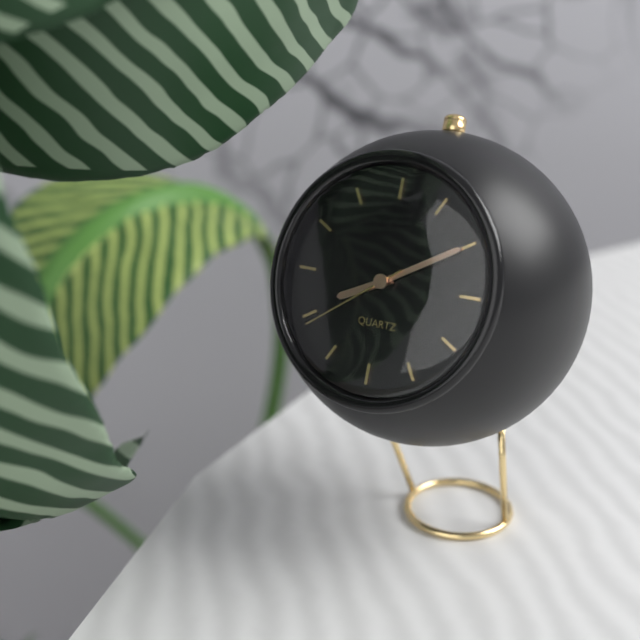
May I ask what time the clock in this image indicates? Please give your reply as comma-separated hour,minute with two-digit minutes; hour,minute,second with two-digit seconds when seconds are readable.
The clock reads 8,10,39
